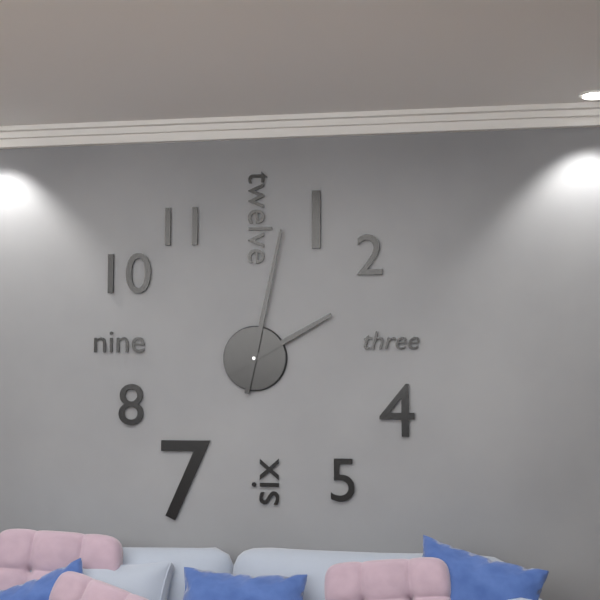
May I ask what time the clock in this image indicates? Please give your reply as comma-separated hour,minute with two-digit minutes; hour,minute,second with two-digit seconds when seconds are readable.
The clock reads 2,02
